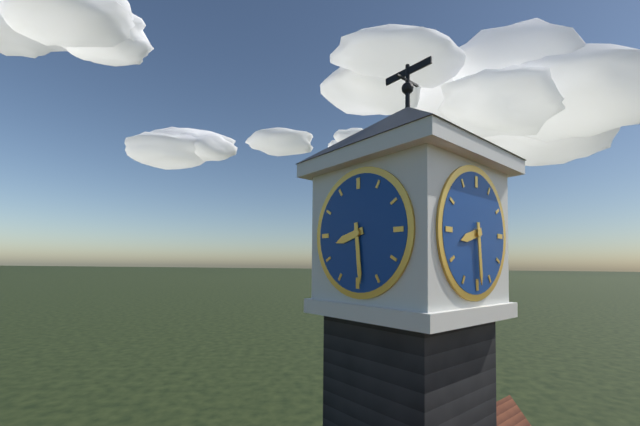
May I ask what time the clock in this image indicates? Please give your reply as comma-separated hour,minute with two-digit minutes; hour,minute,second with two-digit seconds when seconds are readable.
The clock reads 8,29
